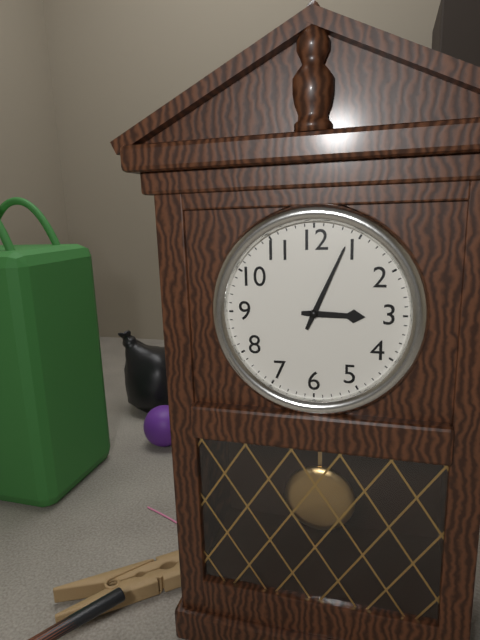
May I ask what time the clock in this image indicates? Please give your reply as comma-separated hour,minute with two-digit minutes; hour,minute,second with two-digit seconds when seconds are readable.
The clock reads 3,04
